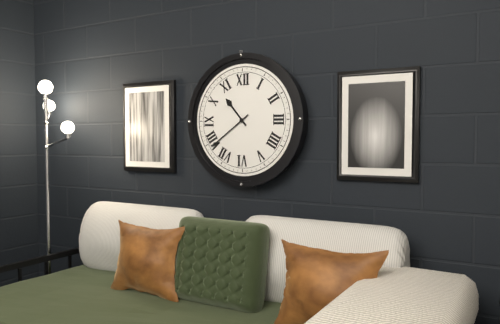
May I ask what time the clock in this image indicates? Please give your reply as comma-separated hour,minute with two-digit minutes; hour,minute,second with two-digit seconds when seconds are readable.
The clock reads 10,39
